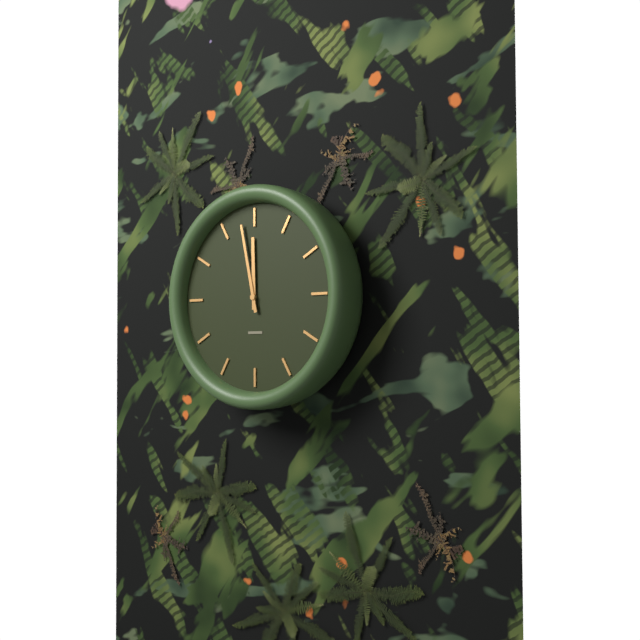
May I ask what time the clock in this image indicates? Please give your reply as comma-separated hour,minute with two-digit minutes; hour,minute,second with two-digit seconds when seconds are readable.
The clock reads 11,58
